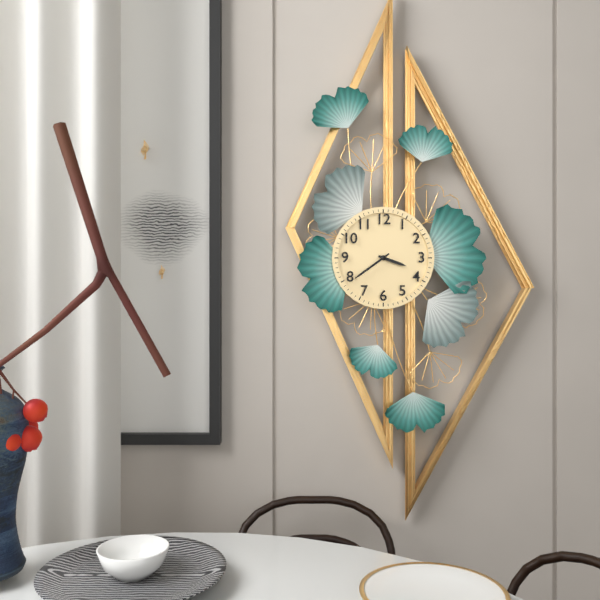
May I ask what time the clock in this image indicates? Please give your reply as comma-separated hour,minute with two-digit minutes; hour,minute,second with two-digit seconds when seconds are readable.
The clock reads 3,39
